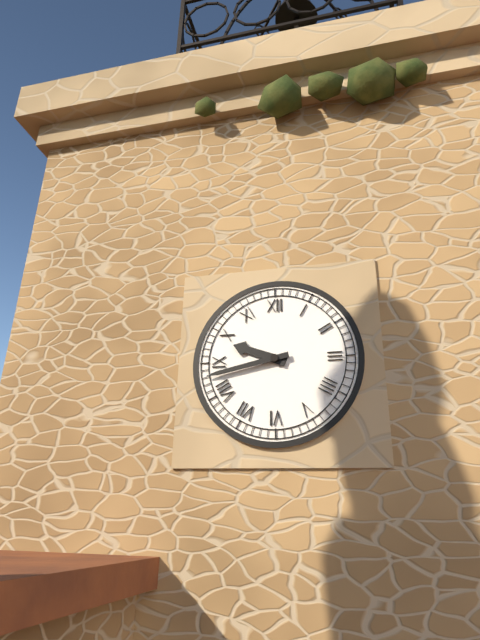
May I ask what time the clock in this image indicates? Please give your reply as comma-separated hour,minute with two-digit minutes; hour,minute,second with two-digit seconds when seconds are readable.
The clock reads 9,43
